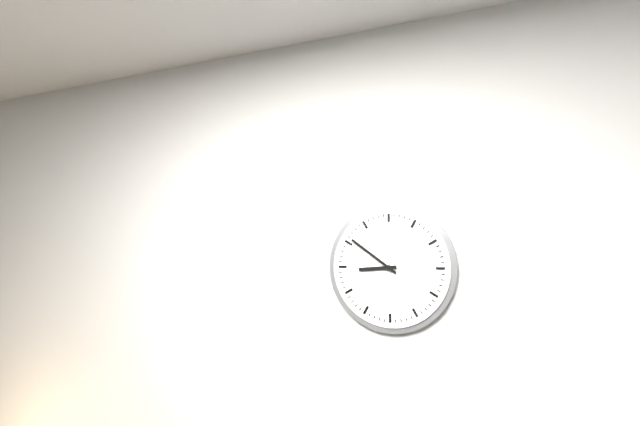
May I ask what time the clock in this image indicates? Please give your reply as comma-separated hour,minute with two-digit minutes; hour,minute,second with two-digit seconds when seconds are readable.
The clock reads 8,51
